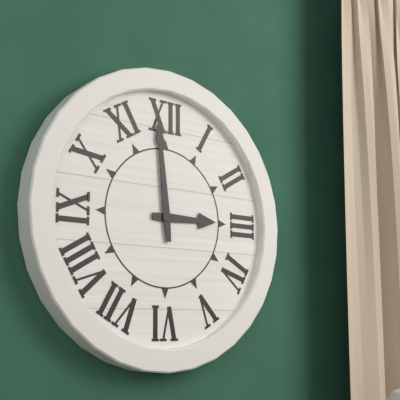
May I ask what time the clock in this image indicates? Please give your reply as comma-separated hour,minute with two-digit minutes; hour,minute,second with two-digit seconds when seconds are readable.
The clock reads 2,59
